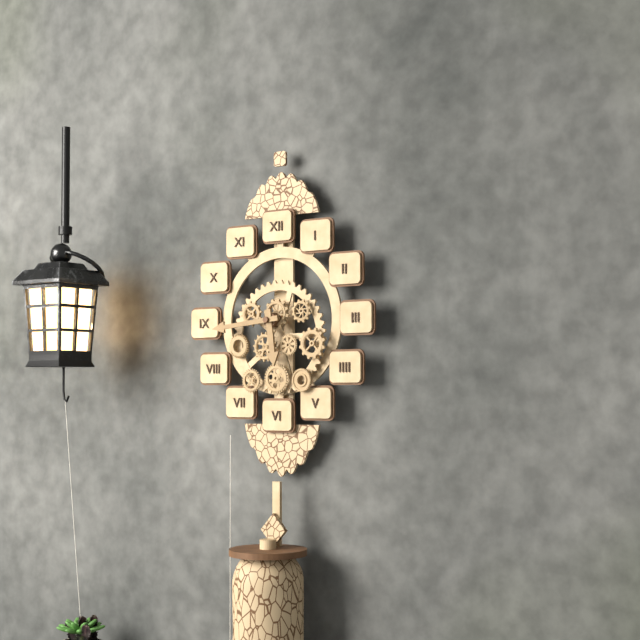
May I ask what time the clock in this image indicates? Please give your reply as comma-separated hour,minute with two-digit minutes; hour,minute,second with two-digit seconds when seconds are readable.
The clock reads 5,44
